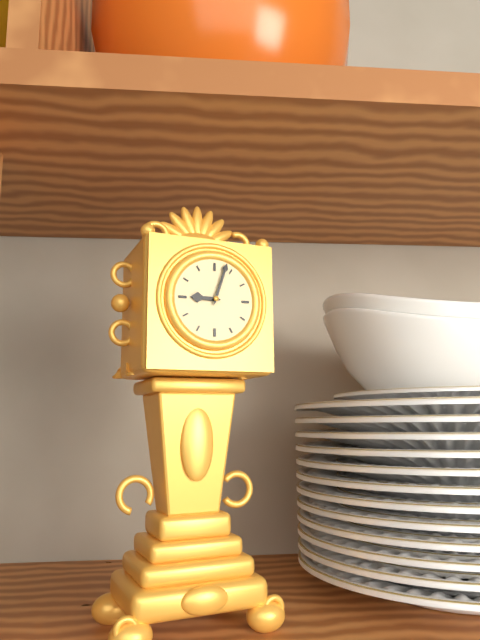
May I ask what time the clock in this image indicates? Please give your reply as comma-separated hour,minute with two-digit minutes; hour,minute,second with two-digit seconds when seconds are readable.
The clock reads 9,03
